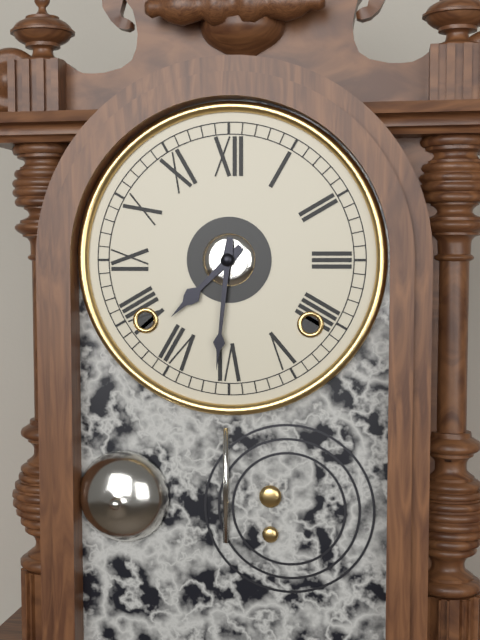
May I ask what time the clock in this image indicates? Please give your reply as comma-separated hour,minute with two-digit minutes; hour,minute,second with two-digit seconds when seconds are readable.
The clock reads 7,31
